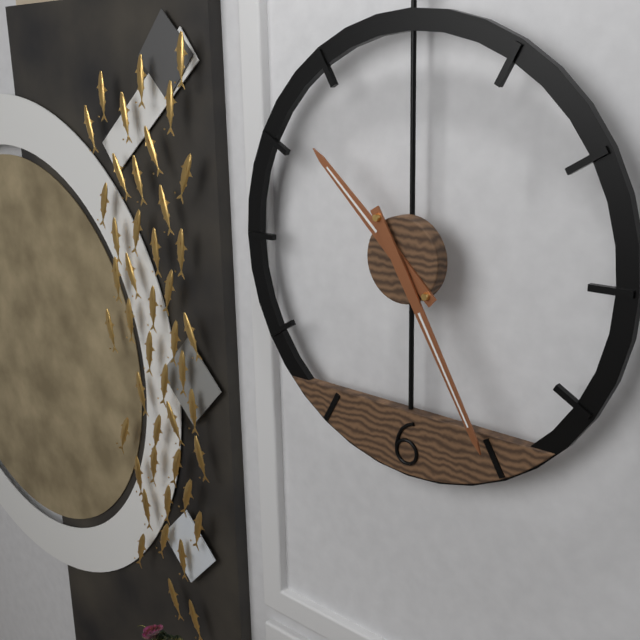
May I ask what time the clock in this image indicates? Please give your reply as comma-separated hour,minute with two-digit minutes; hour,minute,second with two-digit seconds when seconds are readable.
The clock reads 10,25
